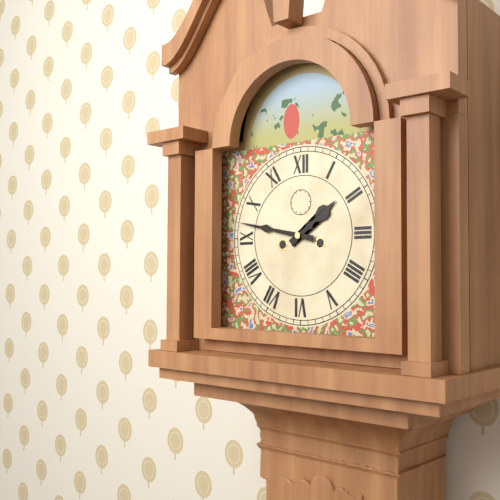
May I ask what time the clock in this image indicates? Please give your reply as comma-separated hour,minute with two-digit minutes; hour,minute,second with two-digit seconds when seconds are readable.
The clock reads 1,47
